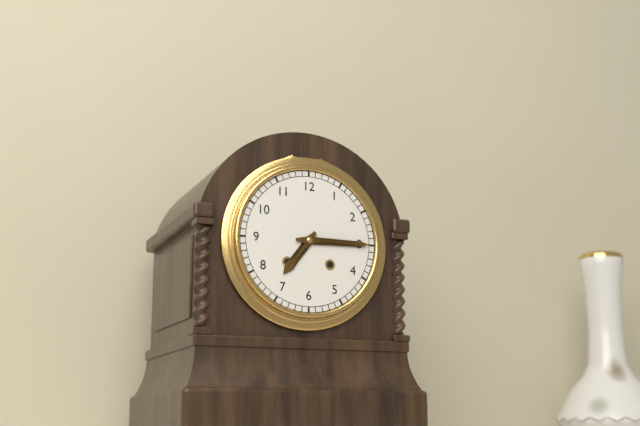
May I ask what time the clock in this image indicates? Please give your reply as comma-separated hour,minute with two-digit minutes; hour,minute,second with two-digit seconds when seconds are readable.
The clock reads 7,15
